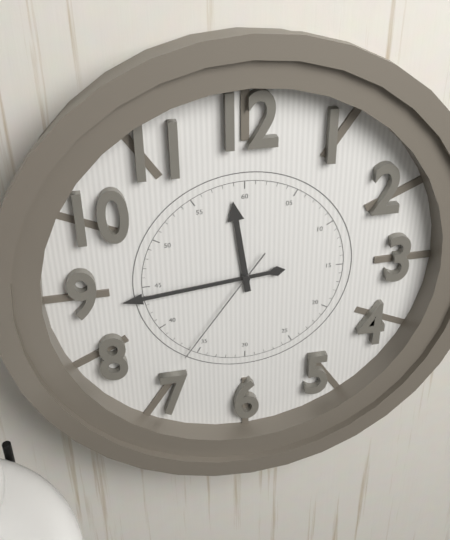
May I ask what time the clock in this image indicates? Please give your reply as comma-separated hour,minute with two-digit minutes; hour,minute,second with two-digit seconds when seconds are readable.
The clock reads 11,44,36
